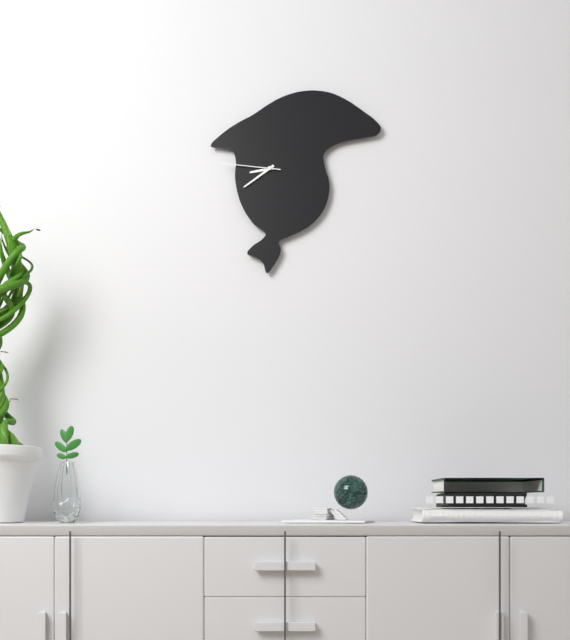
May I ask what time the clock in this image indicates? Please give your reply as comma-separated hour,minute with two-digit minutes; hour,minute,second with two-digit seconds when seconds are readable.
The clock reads 8,39,46
